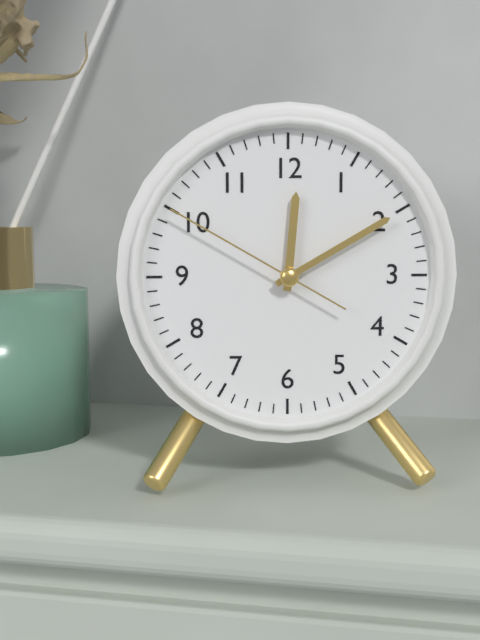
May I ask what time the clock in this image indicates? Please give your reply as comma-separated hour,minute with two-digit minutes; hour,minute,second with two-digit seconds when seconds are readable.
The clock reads 12,10,50
